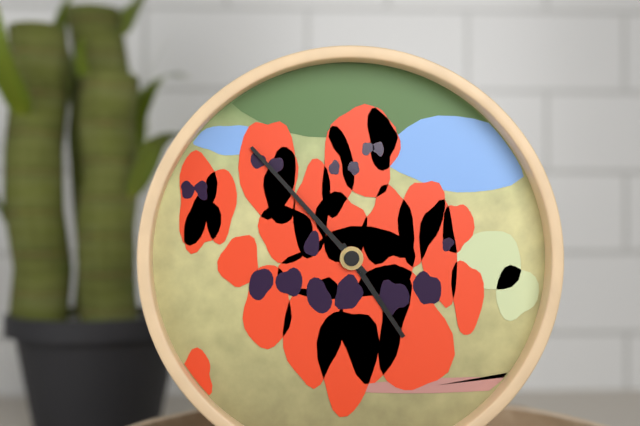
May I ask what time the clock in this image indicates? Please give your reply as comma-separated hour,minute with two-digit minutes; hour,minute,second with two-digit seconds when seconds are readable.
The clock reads 4,53
